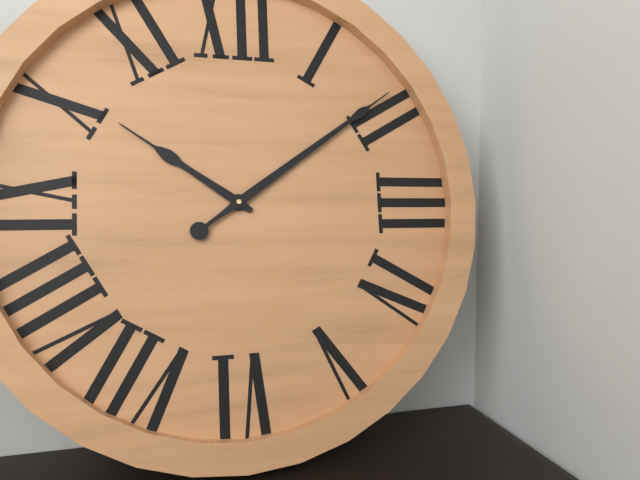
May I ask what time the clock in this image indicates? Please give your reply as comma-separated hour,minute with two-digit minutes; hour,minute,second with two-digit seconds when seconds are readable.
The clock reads 10,09
